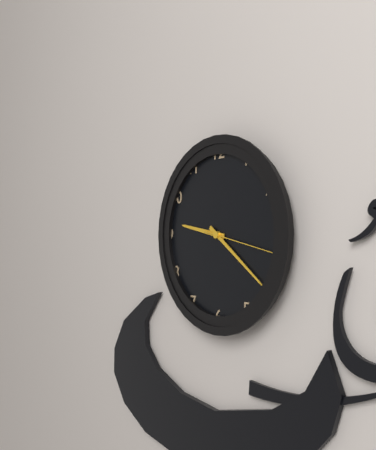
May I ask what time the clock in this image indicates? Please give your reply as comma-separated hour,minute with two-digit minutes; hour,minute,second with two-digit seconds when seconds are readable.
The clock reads 9,21,17
